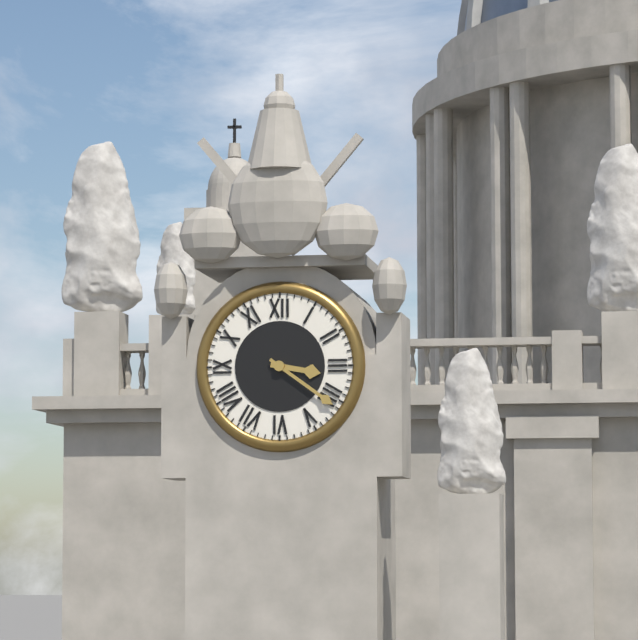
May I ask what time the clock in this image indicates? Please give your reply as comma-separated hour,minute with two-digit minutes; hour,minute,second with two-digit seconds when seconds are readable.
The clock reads 3,21
